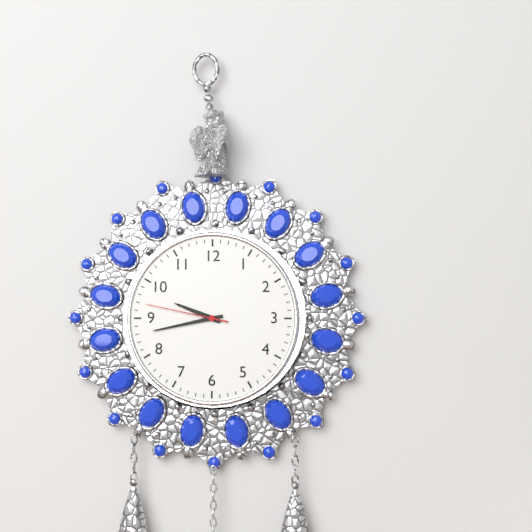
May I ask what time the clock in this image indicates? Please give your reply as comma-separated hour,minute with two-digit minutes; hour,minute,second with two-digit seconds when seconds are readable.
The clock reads 9,43,47
